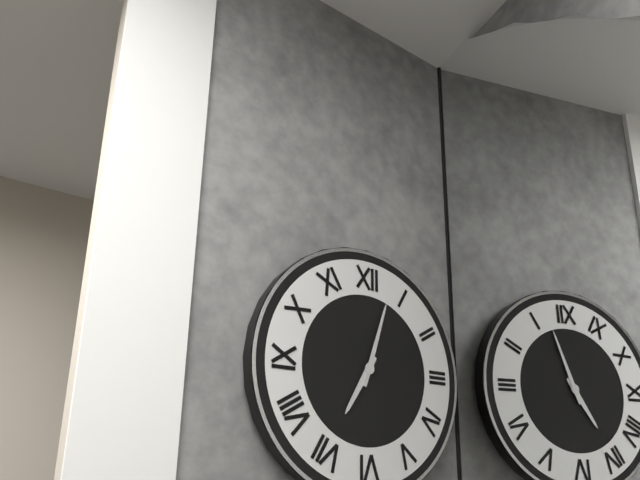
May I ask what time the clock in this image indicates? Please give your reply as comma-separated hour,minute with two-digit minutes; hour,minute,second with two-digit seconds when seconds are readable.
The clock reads 7,03
